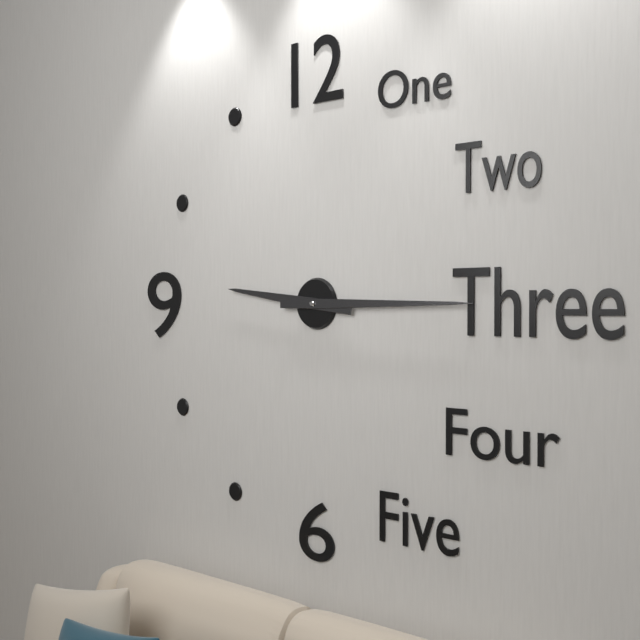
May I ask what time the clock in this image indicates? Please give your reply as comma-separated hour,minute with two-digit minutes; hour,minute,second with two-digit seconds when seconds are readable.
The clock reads 9,15
